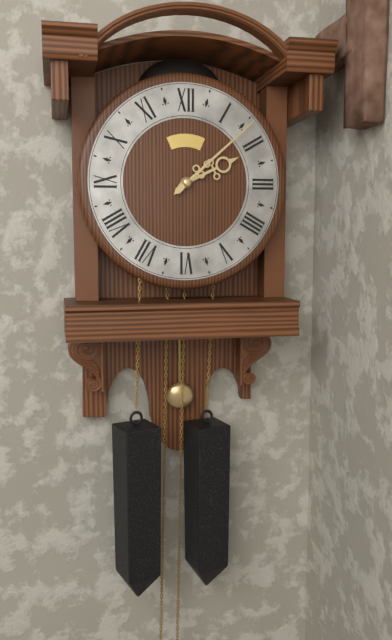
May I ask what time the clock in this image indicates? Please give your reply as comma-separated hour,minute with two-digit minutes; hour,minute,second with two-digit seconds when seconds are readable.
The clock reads 2,08
